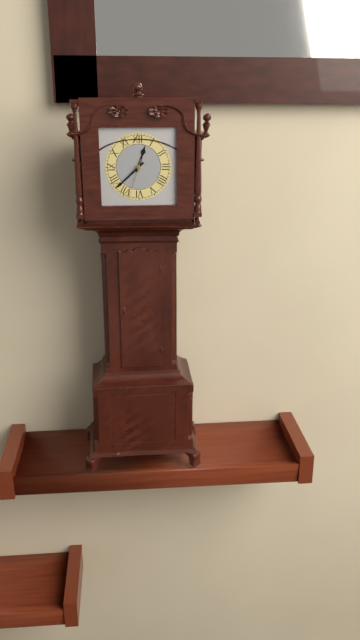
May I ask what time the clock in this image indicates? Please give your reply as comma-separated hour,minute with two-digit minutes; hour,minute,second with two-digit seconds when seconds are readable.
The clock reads 12,38
